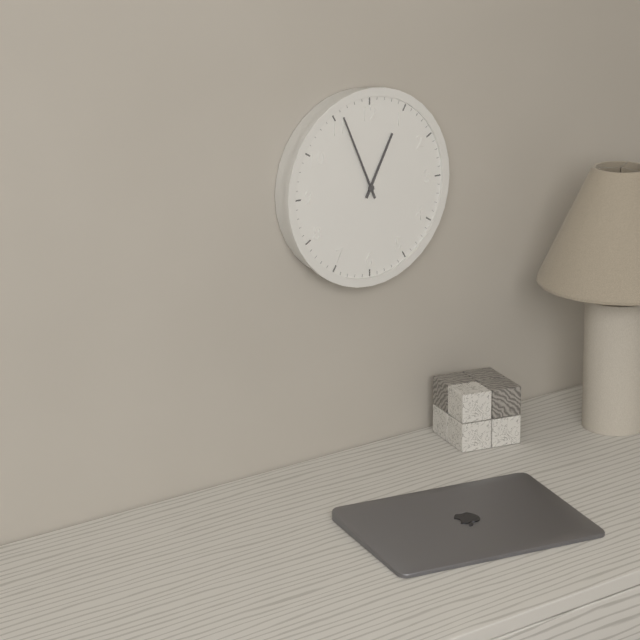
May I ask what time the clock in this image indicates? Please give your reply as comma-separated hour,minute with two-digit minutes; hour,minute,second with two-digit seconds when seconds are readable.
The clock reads 12,56
